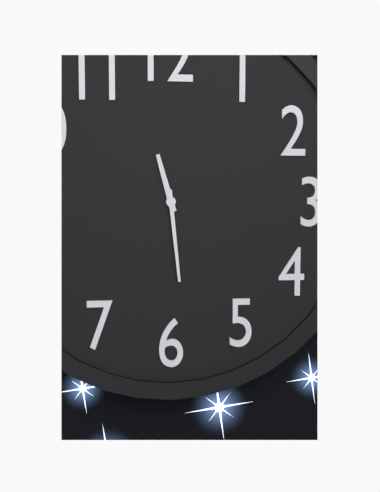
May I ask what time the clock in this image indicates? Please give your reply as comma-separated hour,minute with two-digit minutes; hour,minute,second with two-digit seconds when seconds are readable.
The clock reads 11,29
